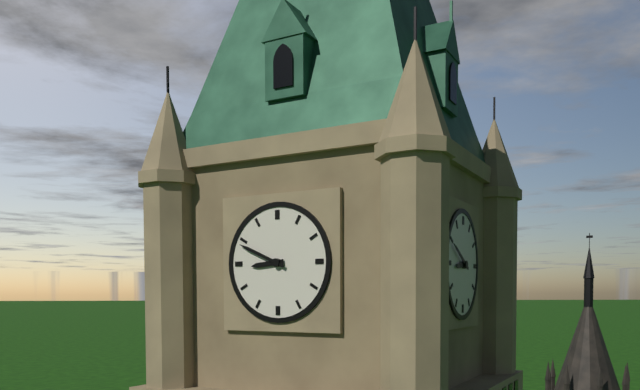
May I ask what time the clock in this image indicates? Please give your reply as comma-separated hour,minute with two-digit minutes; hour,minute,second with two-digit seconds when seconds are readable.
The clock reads 8,49
